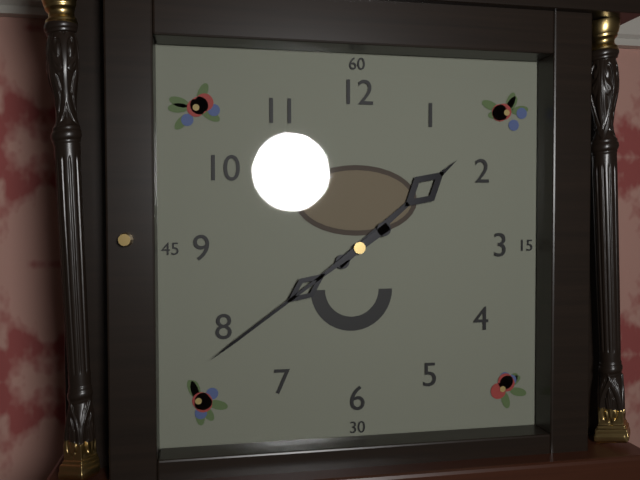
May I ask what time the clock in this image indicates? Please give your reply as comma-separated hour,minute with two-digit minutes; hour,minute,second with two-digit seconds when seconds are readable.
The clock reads 1,39
